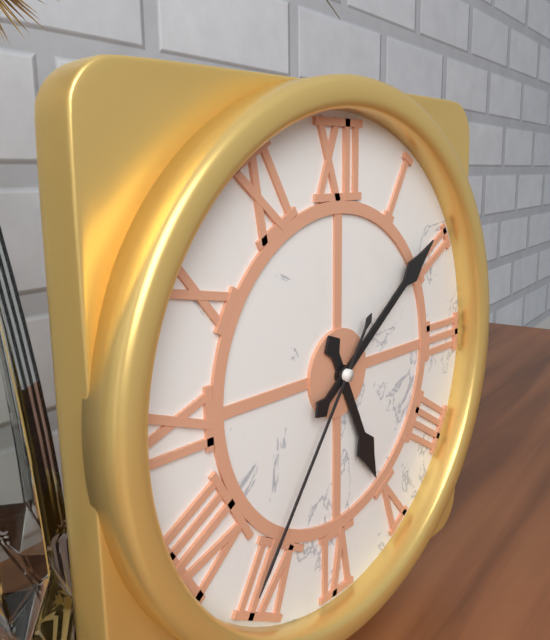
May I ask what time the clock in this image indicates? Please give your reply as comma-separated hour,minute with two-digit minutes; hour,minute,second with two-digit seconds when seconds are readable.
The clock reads 5,09,36
